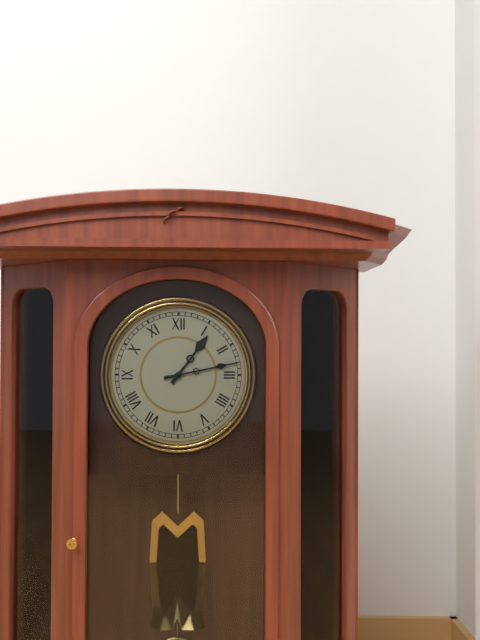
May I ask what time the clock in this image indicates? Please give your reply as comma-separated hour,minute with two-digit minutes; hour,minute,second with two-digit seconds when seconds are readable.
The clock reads 1,13
